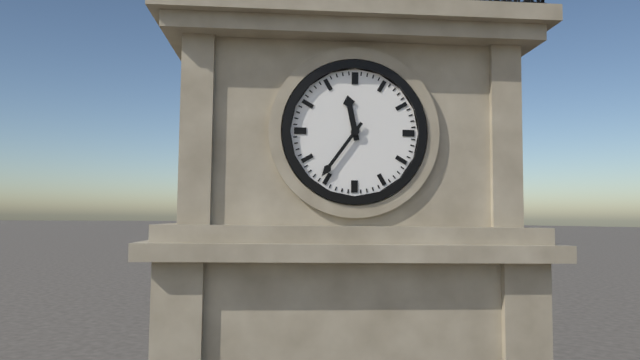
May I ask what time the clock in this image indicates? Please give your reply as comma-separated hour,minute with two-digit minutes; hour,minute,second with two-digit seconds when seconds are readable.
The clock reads 11,36
